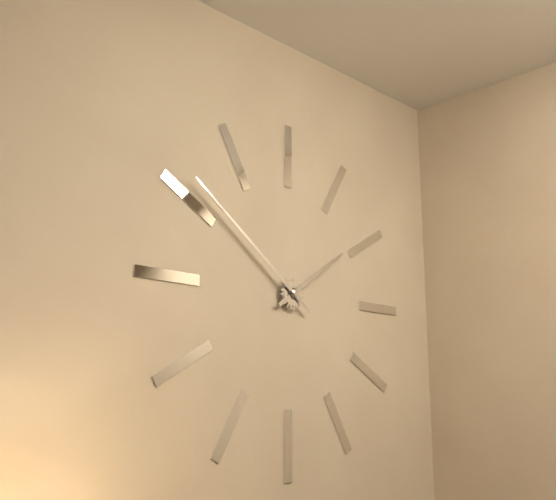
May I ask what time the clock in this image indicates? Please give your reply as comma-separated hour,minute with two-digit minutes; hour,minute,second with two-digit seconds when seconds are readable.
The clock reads 1,51
